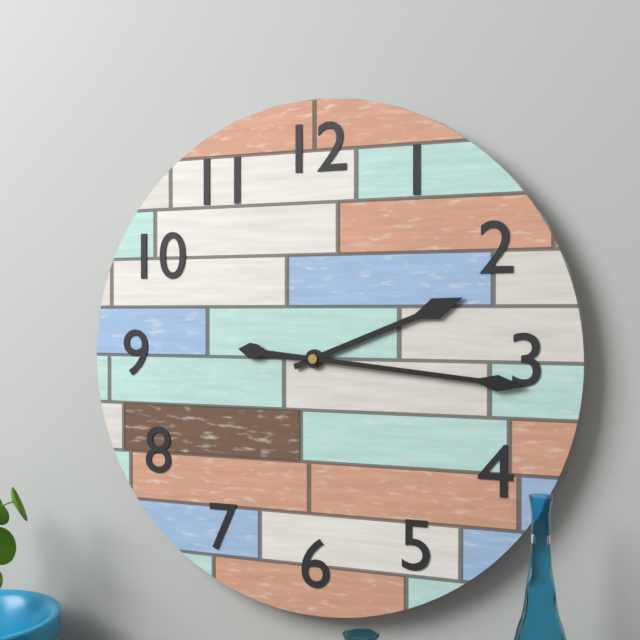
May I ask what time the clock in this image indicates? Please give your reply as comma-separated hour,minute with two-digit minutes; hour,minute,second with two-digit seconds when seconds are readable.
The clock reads 2,16
